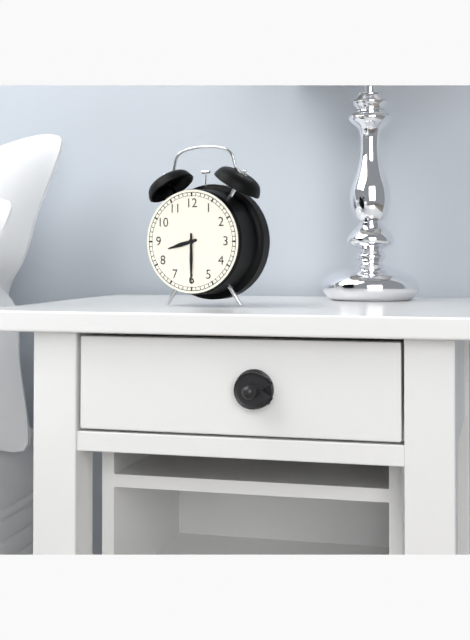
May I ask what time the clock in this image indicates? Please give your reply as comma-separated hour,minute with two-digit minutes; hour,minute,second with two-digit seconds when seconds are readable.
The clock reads 8,30
